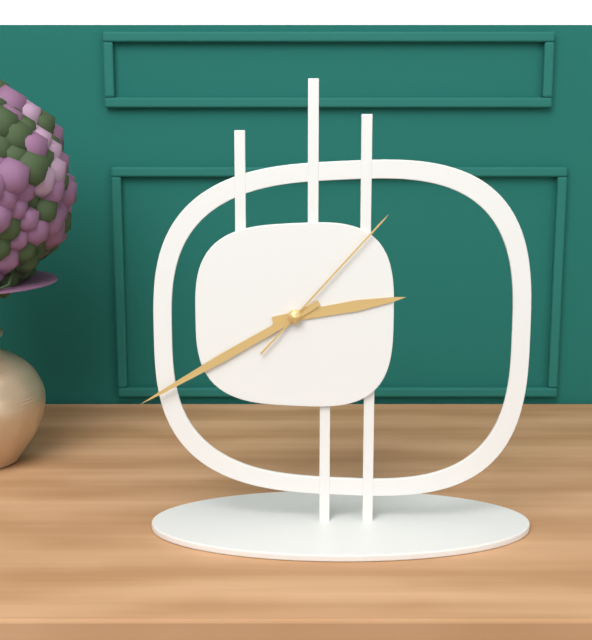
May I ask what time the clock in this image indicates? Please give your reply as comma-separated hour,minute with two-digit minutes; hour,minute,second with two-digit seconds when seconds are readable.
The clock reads 2,40,07
